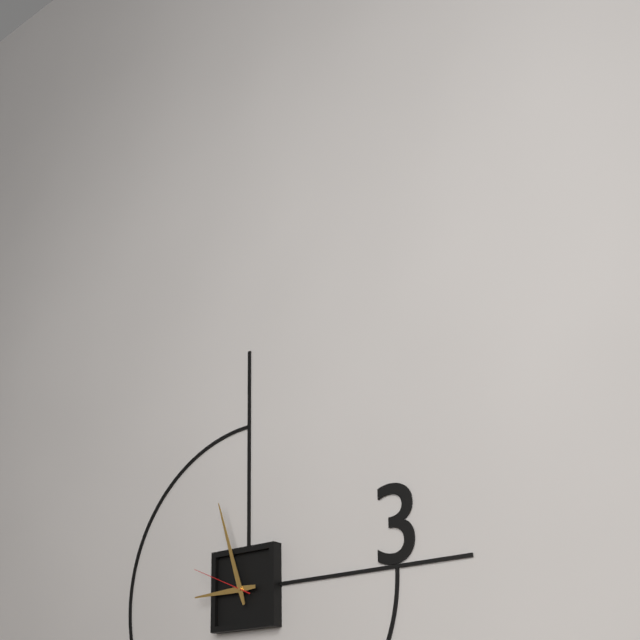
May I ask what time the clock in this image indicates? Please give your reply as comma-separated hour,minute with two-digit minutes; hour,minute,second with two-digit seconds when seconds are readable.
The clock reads 8,57,49
